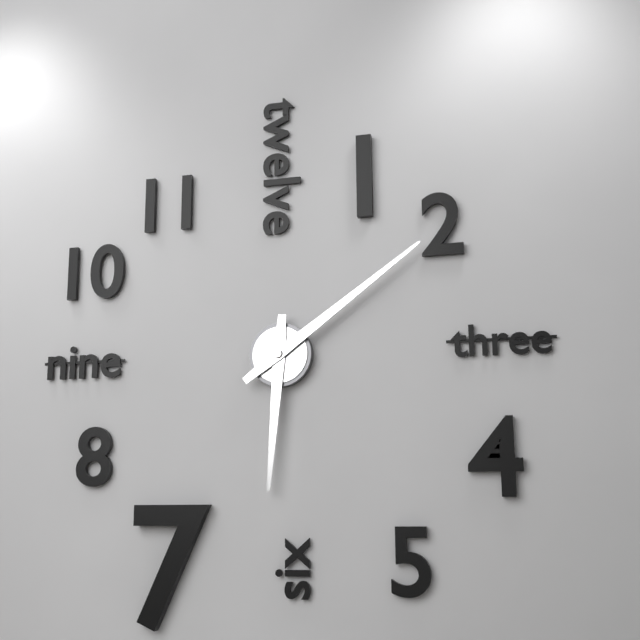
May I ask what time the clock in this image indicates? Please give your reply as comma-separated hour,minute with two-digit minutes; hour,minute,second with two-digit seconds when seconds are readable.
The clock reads 6,09
